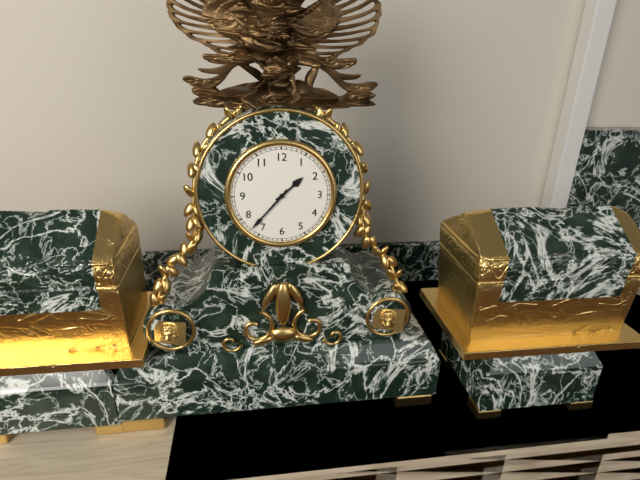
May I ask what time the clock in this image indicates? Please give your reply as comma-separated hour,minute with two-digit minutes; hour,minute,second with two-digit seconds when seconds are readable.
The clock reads 1,37
